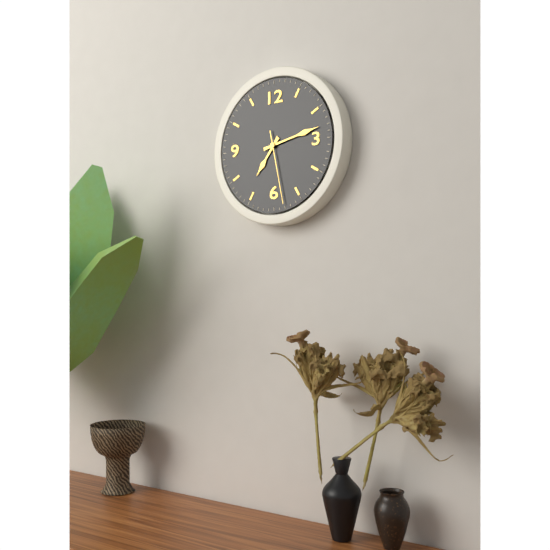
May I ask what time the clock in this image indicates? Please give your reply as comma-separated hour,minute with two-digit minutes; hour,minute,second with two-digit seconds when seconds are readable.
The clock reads 7,13,28
